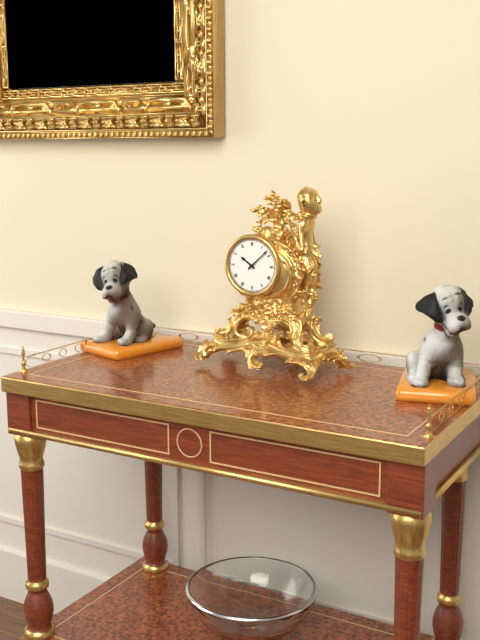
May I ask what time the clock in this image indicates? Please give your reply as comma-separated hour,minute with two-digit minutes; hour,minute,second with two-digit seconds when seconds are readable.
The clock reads 10,08
